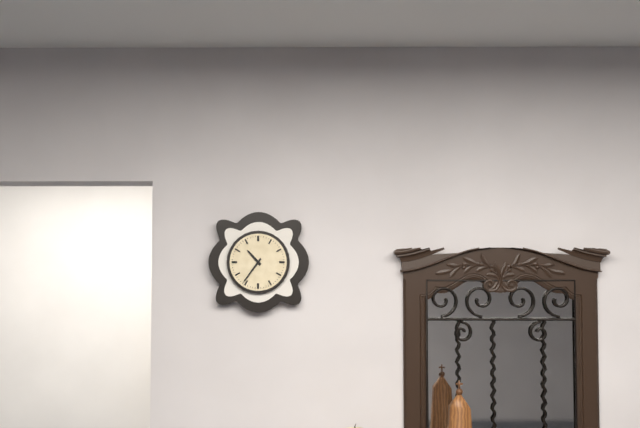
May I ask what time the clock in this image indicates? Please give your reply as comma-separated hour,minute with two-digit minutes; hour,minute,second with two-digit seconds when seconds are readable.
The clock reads 10,36
